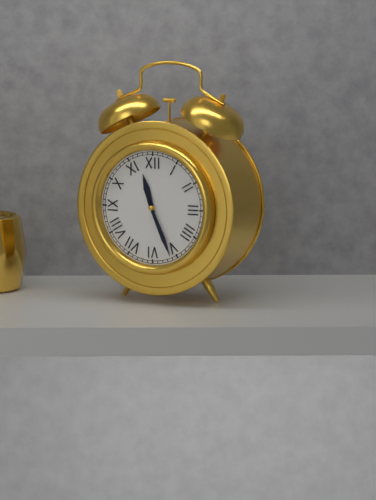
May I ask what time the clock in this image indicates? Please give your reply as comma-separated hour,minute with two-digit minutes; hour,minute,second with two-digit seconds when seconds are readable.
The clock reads 11,26
